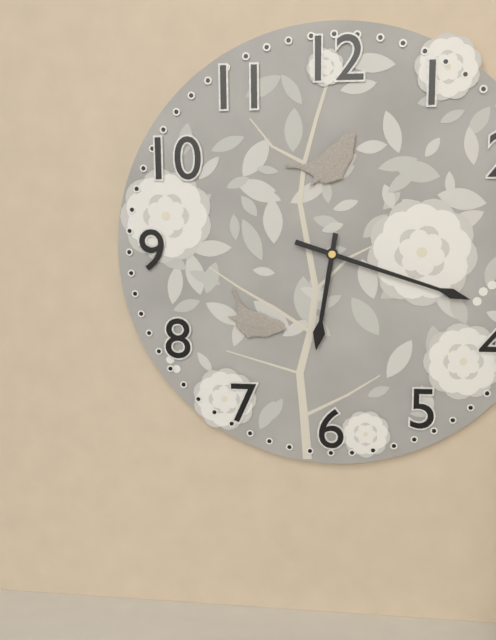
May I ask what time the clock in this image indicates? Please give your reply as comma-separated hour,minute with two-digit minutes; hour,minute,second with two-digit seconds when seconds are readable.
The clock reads 6,18
